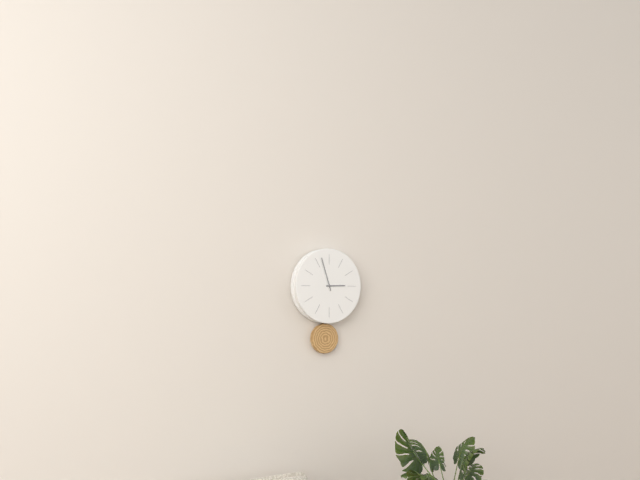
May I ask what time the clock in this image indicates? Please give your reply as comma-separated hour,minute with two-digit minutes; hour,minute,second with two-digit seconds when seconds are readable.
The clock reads 2,57
